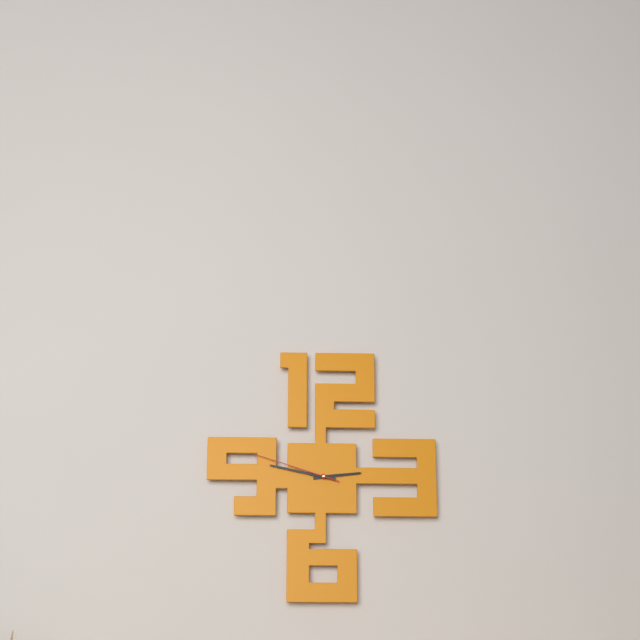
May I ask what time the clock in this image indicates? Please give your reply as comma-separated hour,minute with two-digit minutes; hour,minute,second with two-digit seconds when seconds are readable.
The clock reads 2,47,48
